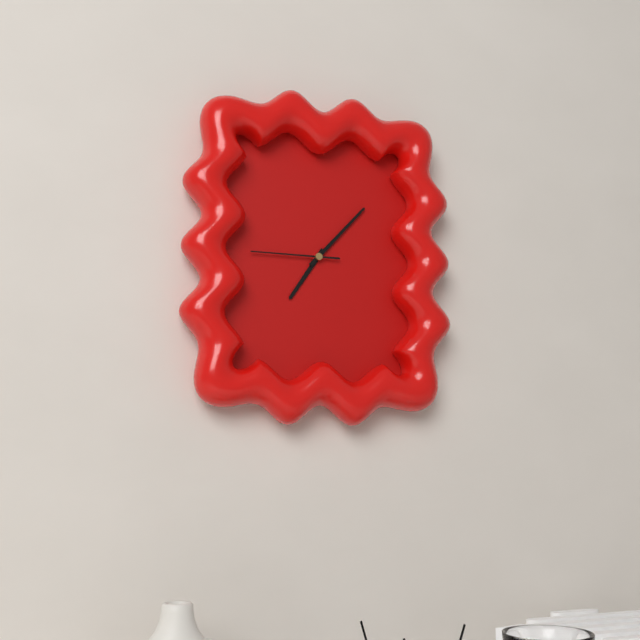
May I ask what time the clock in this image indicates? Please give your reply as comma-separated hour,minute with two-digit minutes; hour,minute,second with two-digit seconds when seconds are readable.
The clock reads 7,07,45
